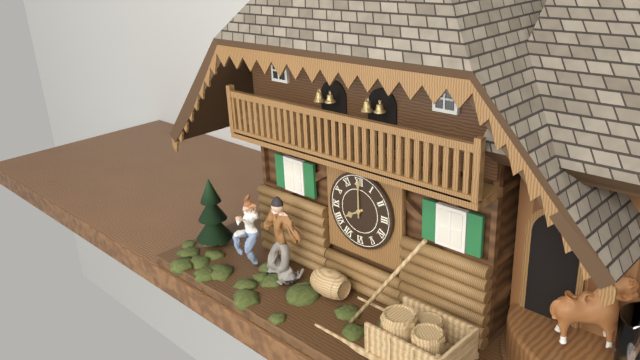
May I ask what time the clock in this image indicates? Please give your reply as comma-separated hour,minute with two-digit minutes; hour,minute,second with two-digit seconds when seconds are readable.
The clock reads 8,00
